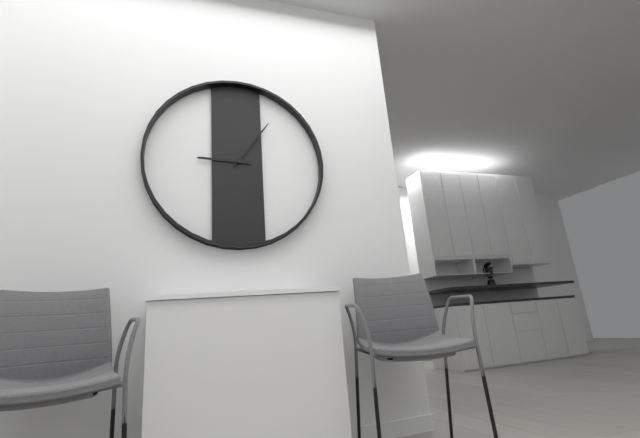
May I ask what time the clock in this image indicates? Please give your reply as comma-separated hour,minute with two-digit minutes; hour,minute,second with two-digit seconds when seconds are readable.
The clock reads 9,06
